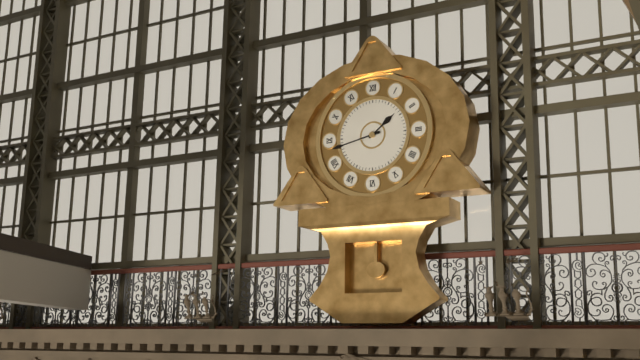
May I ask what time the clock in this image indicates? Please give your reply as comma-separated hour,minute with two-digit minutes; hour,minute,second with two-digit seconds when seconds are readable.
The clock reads 1,43
